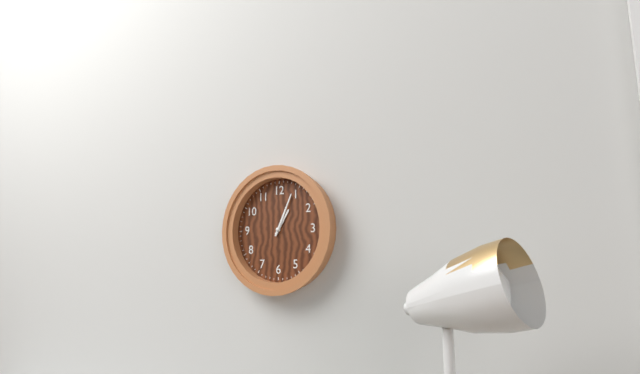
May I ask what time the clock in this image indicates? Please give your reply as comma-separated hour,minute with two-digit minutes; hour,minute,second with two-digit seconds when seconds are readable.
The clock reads 1,04
